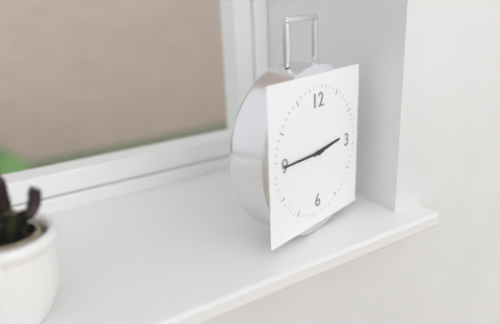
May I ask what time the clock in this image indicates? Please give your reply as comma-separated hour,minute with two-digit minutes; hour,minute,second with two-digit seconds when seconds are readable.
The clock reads 2,45
